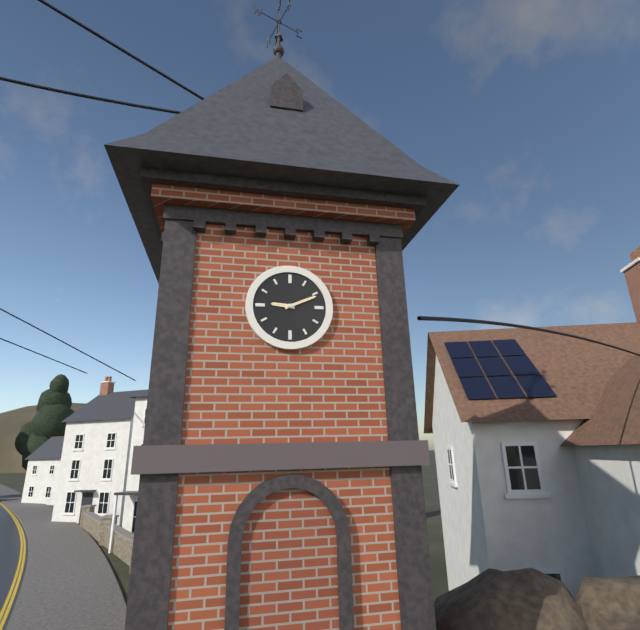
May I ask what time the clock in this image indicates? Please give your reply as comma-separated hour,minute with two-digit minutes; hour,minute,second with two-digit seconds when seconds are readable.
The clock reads 9,11
